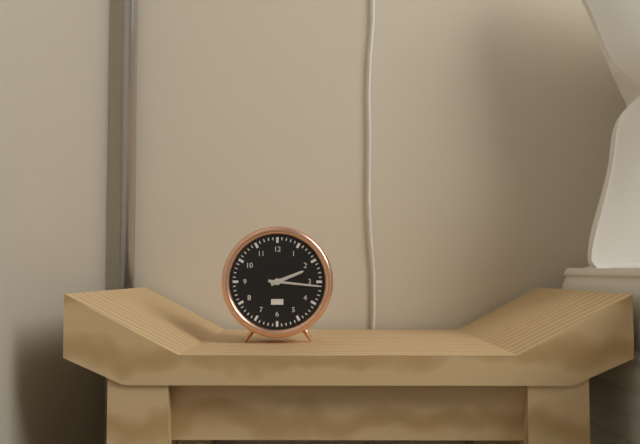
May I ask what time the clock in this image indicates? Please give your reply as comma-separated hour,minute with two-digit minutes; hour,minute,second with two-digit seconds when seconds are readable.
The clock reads 2,16
